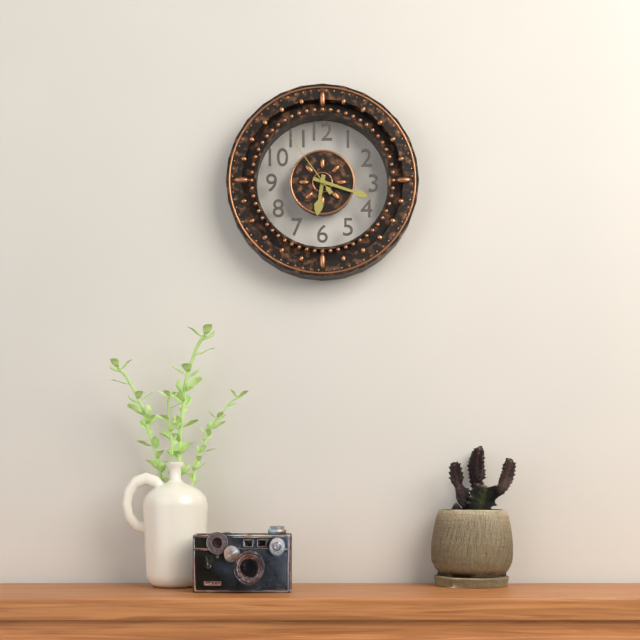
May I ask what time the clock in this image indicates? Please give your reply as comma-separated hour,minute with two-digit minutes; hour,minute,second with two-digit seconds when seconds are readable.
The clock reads 6,18,54
